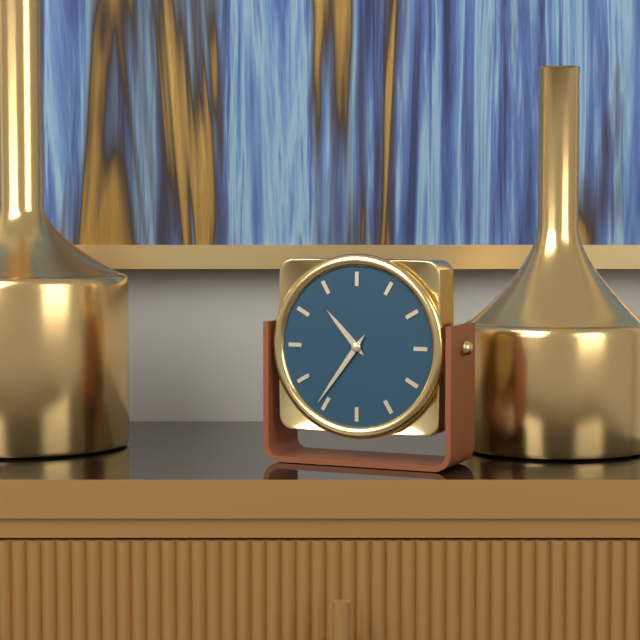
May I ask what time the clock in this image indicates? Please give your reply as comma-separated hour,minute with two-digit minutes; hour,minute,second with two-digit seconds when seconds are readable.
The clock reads 10,36
